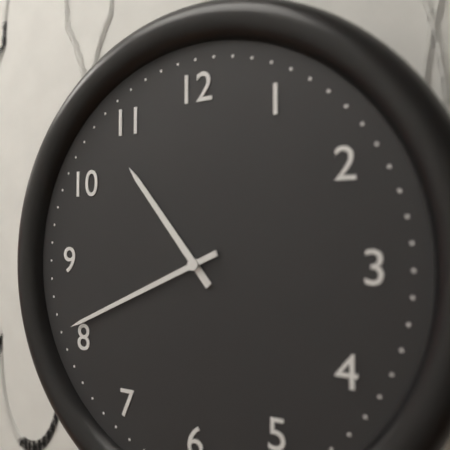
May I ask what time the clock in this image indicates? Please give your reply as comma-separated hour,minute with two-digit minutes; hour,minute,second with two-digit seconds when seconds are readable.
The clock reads 10,41
